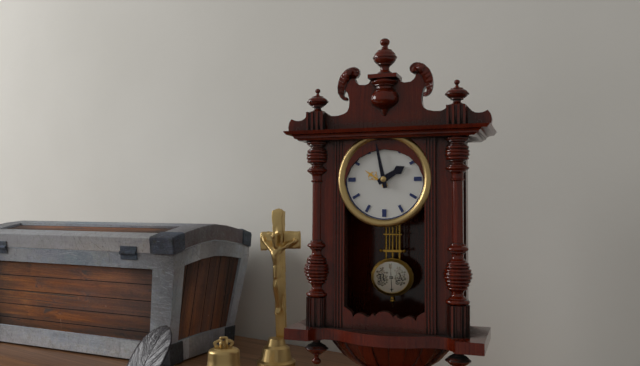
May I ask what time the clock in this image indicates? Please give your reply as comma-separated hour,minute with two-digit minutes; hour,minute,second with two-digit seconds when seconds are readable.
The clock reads 1,58
